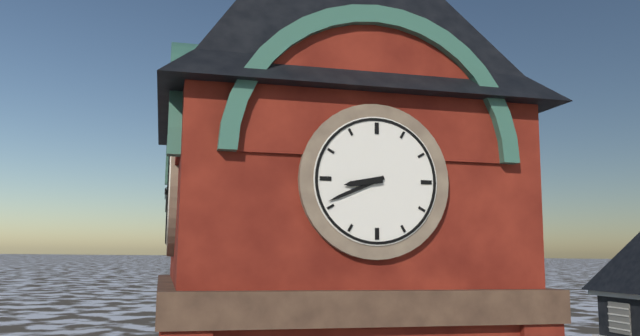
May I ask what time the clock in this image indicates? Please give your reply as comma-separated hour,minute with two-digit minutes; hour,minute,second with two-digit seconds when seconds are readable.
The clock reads 8,41
